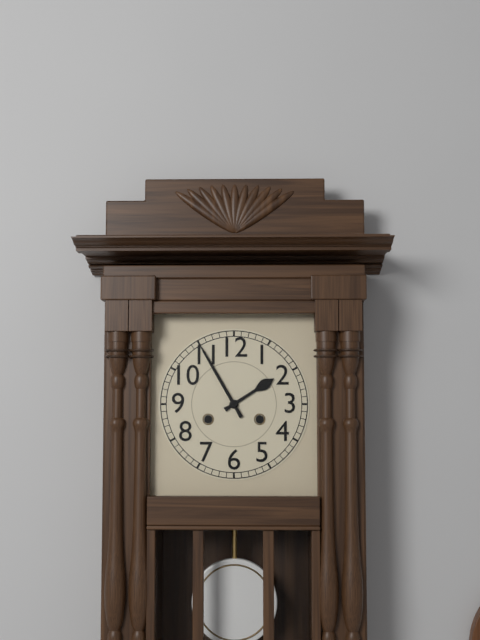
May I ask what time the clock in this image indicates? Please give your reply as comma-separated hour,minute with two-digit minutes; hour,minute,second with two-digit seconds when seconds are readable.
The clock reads 1,55
